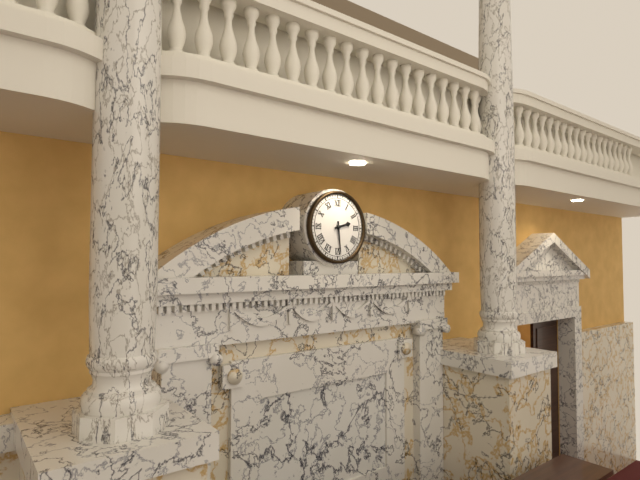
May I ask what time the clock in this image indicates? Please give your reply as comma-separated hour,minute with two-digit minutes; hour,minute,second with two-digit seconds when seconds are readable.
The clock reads 2,29
